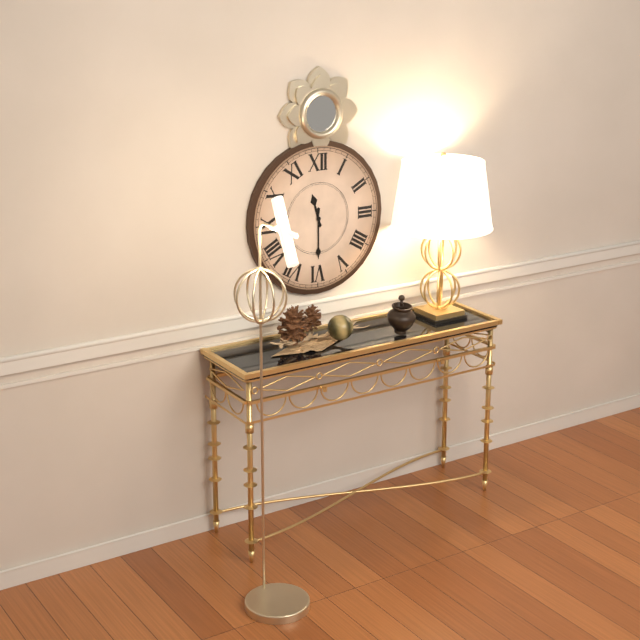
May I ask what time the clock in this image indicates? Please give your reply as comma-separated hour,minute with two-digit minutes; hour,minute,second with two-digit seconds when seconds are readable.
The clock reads 11,30
